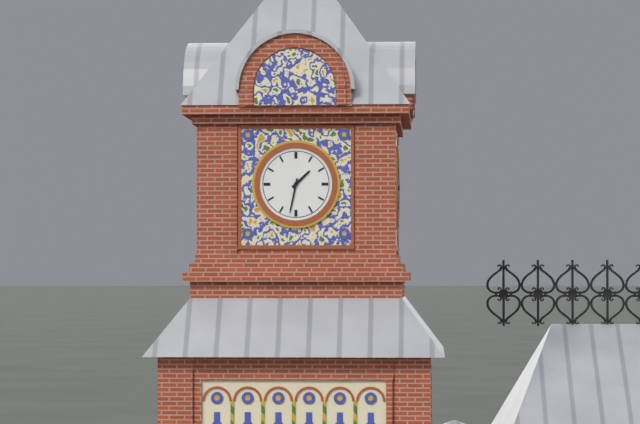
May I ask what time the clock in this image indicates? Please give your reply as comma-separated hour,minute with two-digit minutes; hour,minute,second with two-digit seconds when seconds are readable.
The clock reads 1,32
